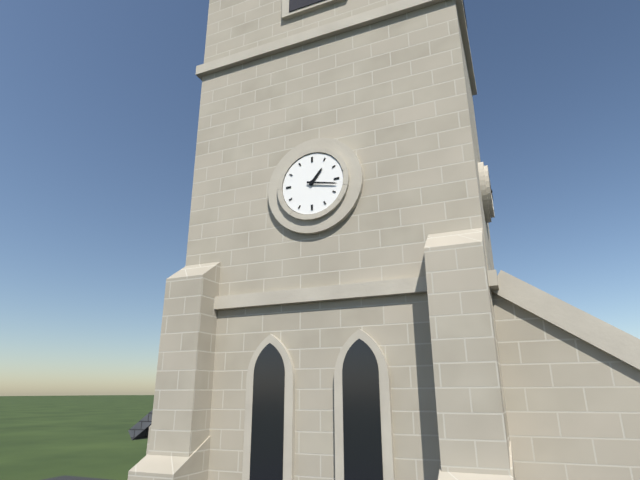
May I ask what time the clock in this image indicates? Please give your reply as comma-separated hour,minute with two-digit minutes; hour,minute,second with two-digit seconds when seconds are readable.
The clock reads 1,17
